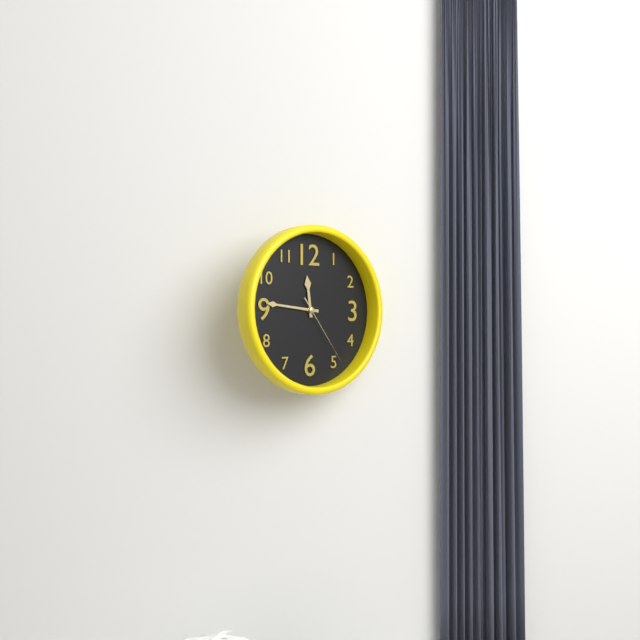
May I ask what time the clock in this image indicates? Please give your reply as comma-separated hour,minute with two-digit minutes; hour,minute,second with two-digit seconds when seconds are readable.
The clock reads 11,46,24
